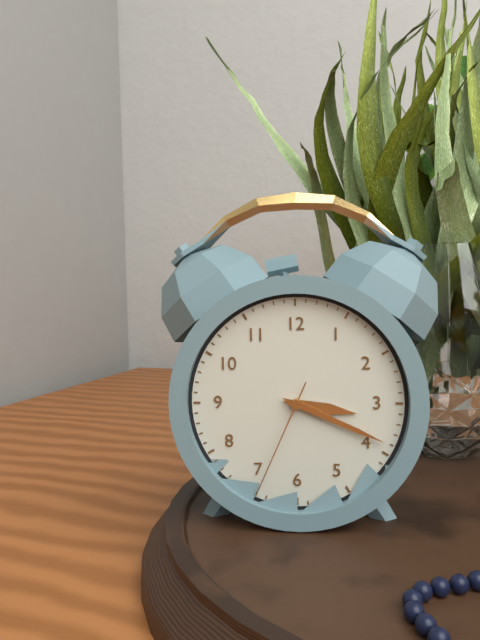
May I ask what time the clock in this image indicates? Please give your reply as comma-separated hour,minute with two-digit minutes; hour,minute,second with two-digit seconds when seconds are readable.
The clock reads 3,19,34
